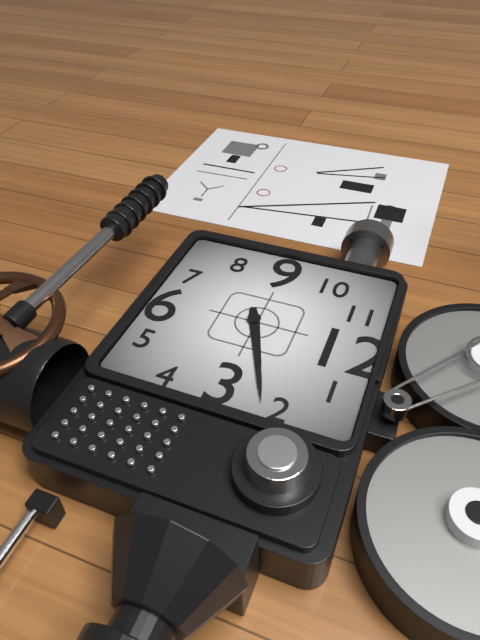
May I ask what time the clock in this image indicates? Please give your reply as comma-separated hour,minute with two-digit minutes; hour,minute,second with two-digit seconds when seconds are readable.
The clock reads 2,11
